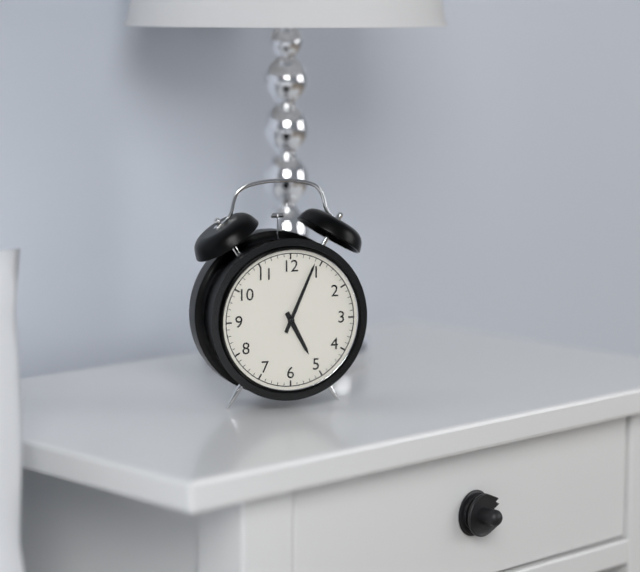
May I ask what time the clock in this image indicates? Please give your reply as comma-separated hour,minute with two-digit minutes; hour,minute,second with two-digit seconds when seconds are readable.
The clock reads 5,04
